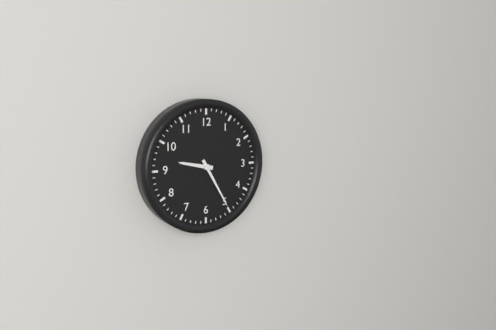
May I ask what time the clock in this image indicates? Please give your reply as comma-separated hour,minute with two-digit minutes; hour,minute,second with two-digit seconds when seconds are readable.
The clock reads 9,25
